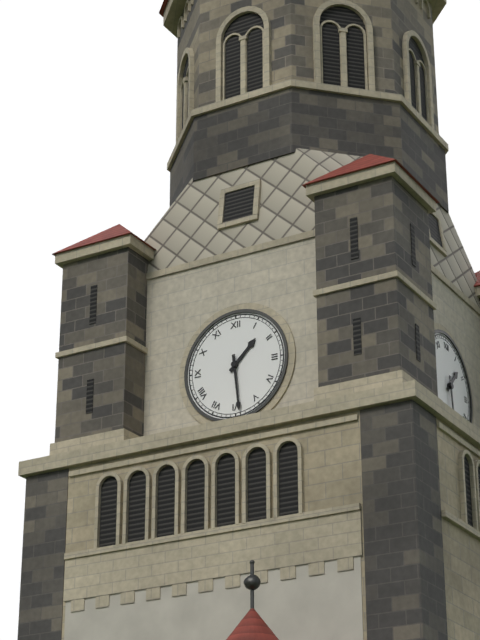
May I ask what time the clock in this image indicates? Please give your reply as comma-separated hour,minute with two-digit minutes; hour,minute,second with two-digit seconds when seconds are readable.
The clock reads 1,29
